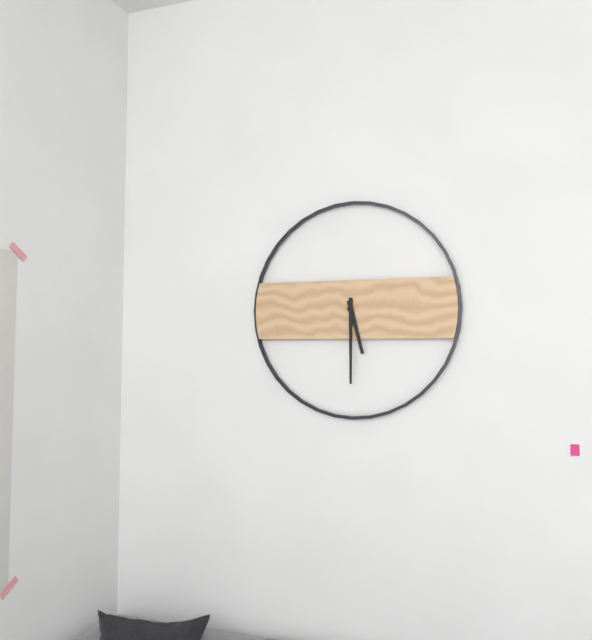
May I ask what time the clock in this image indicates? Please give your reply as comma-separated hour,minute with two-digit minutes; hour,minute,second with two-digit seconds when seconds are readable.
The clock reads 5,30
